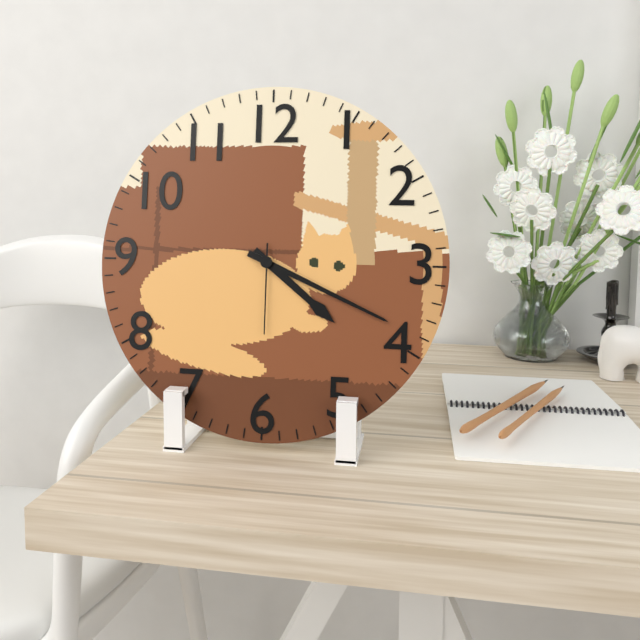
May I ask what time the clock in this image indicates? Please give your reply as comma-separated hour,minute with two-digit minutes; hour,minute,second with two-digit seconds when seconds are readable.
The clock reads 4,19,30
